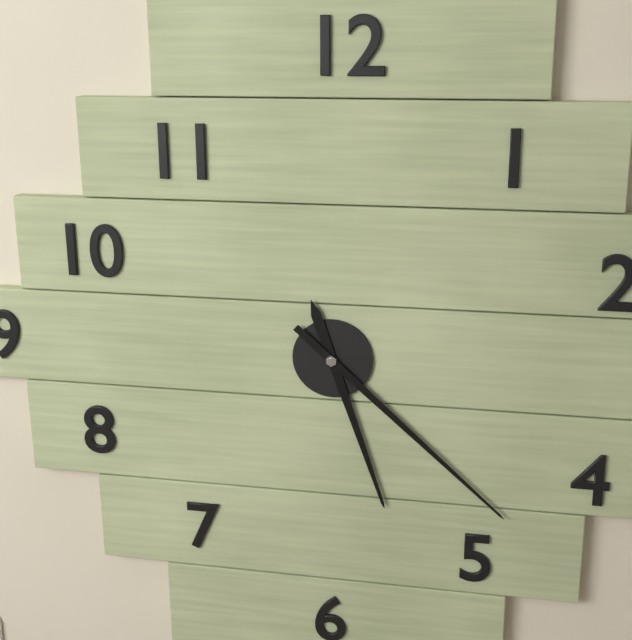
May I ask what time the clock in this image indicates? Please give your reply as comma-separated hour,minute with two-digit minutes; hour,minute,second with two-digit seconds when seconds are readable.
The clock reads 5,22
